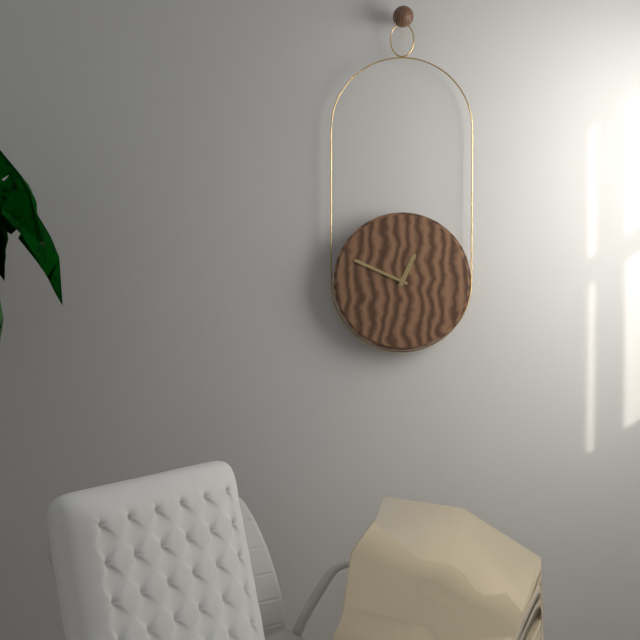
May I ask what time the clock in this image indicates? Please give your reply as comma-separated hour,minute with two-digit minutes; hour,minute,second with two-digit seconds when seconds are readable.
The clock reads 12,49
